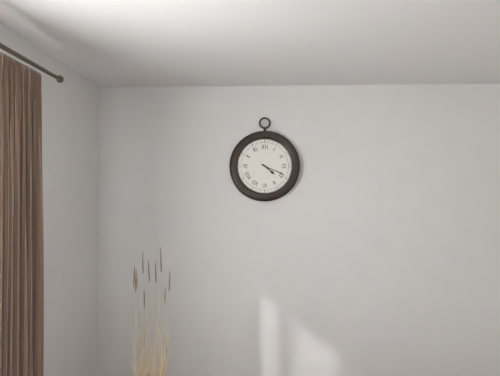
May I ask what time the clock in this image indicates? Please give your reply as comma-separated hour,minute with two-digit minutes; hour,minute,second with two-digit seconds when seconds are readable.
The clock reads 4,19
